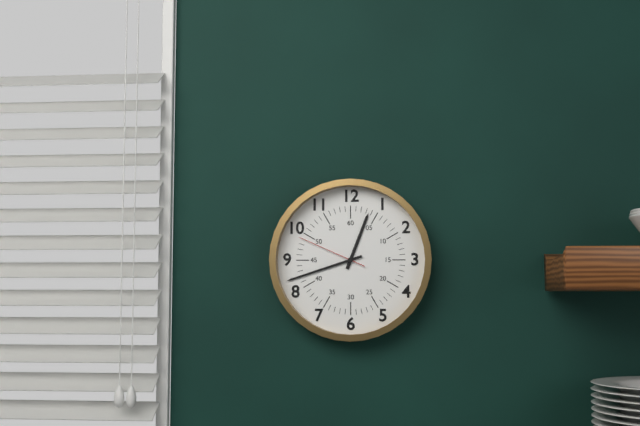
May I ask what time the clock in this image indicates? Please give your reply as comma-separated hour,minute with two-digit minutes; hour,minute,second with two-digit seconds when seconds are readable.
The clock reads 12,42,49
